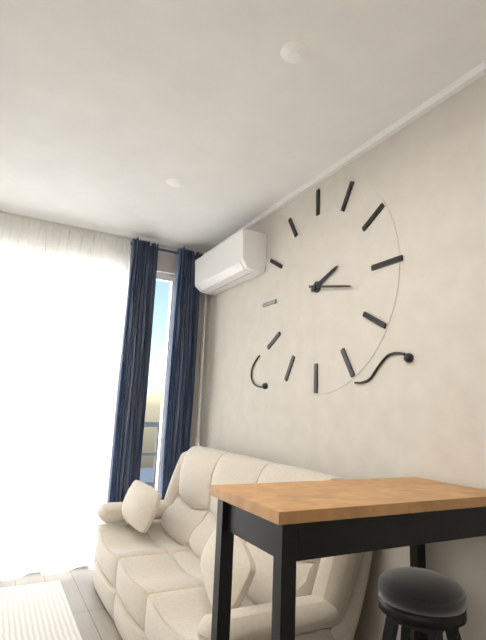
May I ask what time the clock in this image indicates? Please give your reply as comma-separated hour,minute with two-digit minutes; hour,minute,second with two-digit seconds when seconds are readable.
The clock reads 2,17
